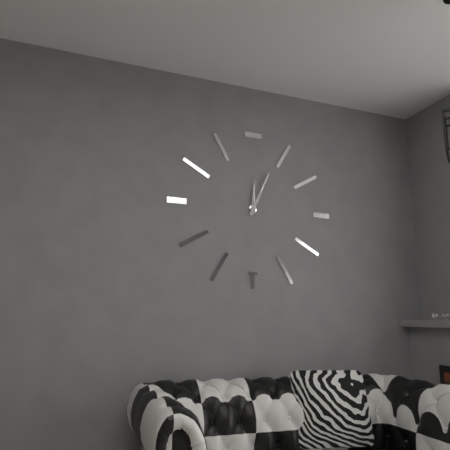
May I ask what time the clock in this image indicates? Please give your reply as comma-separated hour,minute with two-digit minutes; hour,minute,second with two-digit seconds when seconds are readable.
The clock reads 12,04
